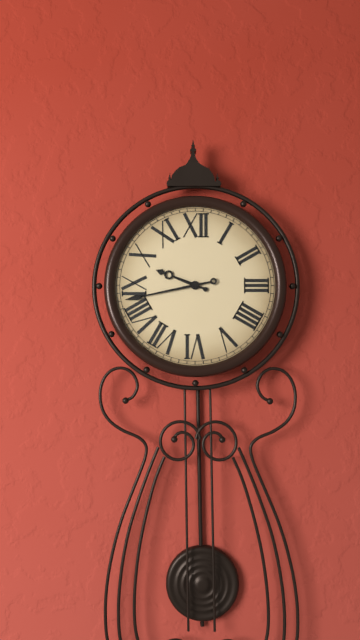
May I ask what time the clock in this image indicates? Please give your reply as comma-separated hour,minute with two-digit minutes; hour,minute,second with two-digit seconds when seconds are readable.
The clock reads 9,43
